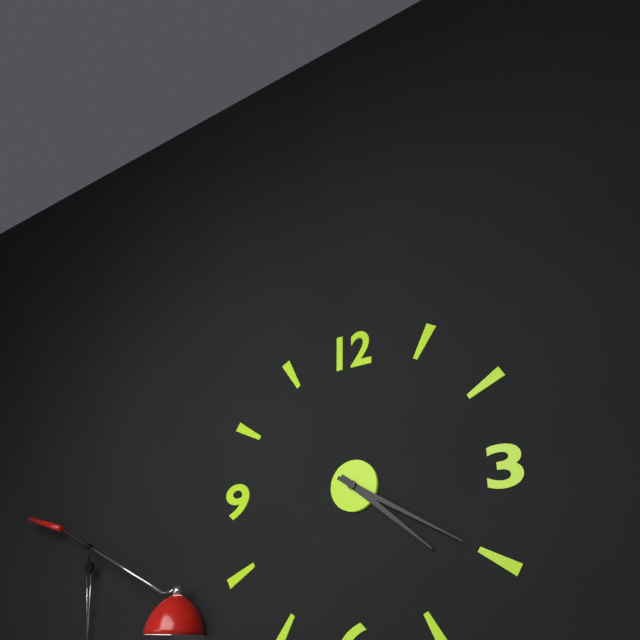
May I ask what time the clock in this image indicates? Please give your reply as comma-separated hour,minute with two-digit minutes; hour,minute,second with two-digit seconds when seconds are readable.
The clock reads 4,20
